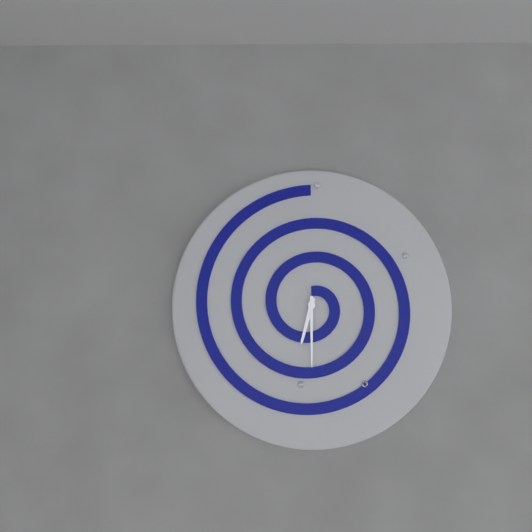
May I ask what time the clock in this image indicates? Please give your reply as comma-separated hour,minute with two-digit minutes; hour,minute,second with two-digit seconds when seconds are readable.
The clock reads 6,30
